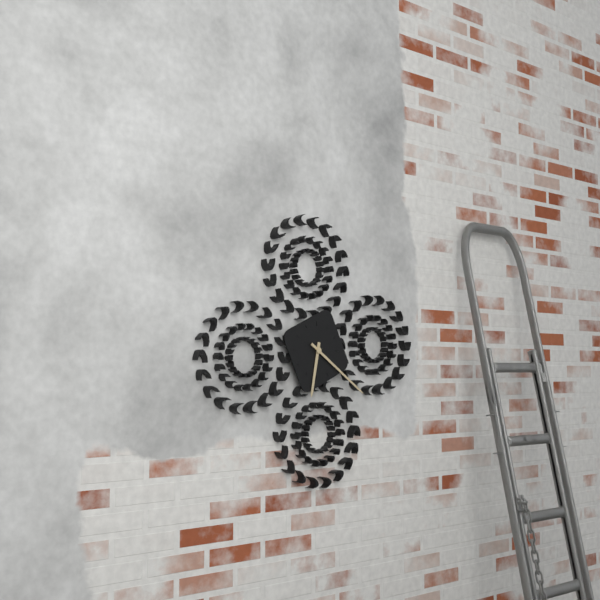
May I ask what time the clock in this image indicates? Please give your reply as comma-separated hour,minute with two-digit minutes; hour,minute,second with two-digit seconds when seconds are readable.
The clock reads 6,21
